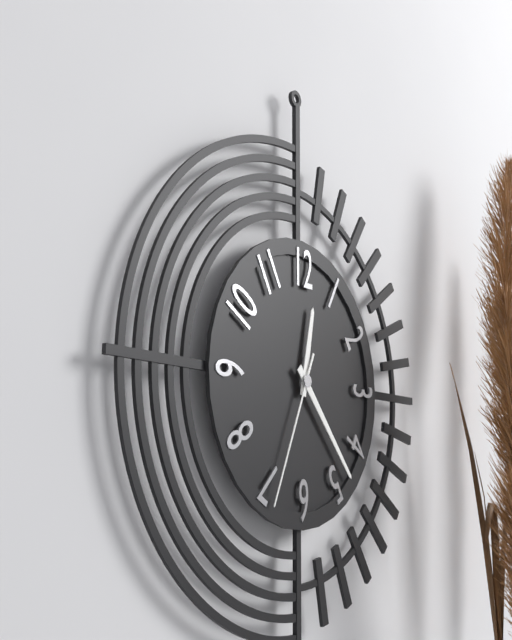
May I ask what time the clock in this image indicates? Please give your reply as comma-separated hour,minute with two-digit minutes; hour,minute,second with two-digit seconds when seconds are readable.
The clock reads 12,23,34
